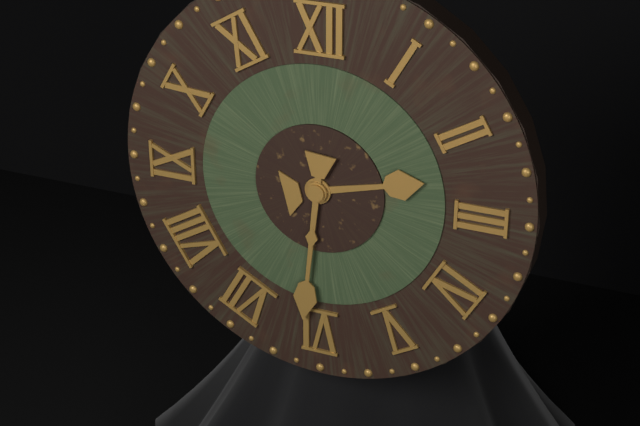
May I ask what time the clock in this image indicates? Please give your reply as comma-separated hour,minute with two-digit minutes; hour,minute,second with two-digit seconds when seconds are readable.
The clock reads 2,31
